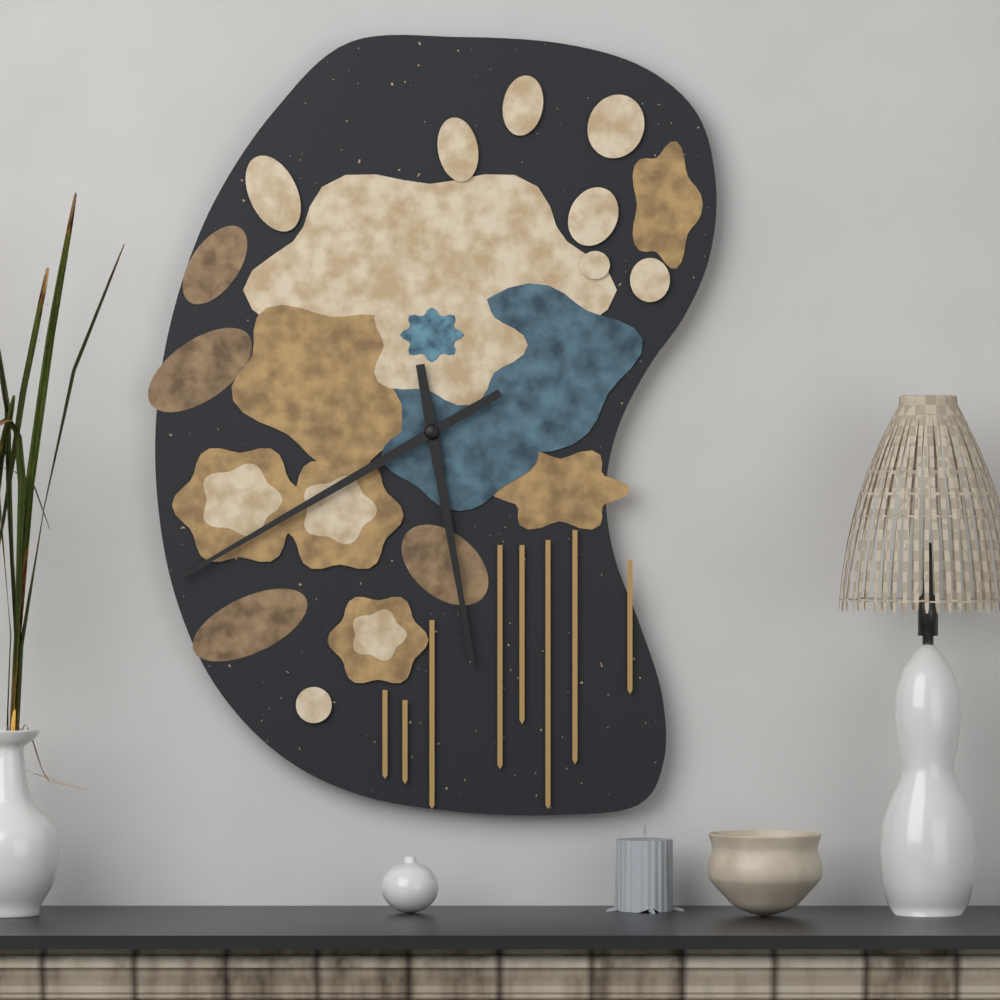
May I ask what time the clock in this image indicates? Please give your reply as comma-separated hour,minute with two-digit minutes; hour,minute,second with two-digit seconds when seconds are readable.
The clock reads 5,40
